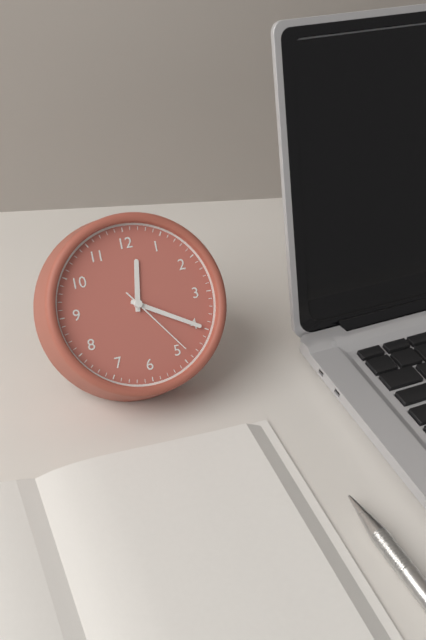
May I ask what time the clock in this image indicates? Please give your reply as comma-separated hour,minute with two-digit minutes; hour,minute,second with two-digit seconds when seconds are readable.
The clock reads 12,20,24
